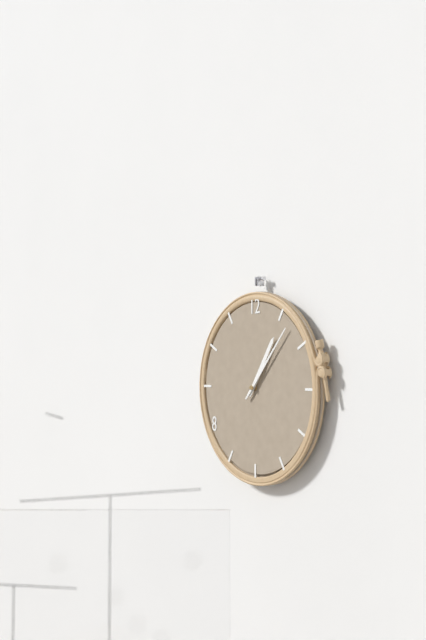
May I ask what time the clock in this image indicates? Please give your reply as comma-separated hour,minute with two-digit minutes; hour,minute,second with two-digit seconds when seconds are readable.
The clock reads 1,07
